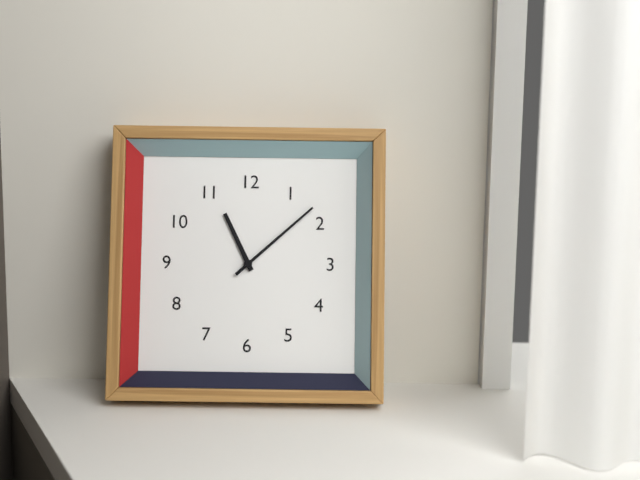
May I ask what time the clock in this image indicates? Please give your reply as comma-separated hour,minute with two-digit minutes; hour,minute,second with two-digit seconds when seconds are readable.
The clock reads 11,08
